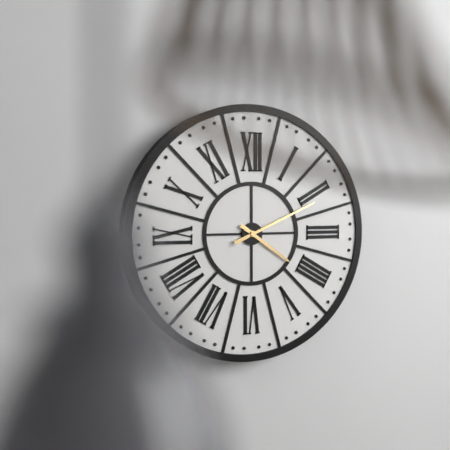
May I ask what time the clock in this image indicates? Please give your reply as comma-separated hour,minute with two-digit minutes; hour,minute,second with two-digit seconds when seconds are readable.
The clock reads 4,11
